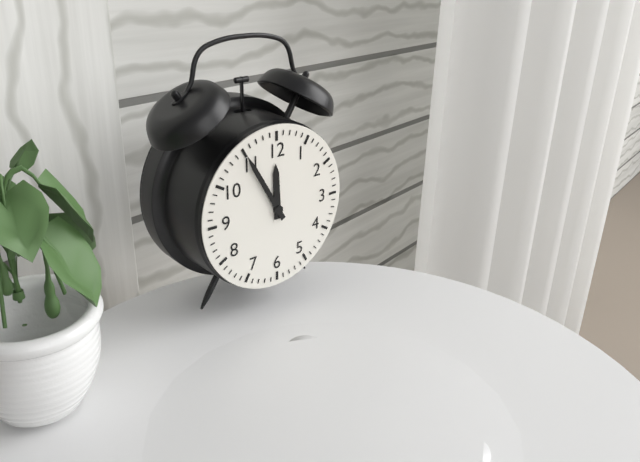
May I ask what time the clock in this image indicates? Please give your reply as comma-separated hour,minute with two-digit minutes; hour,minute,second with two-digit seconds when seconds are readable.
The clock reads 11,55
